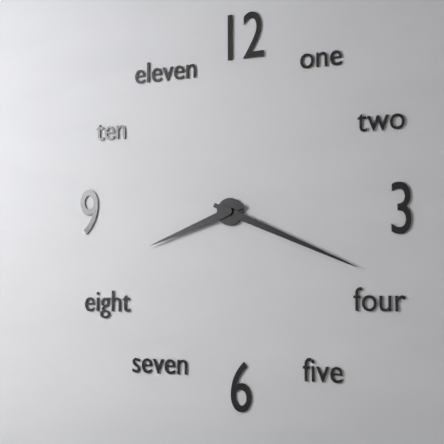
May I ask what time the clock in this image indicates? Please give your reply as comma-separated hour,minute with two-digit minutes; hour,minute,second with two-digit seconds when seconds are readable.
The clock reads 8,19
